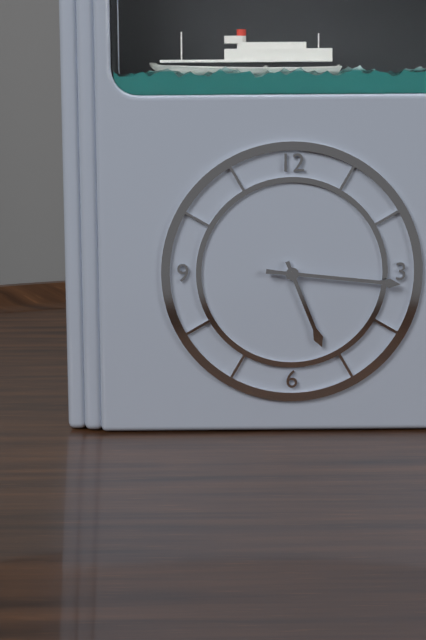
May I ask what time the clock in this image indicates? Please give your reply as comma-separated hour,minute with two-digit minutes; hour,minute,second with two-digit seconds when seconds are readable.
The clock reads 5,16
